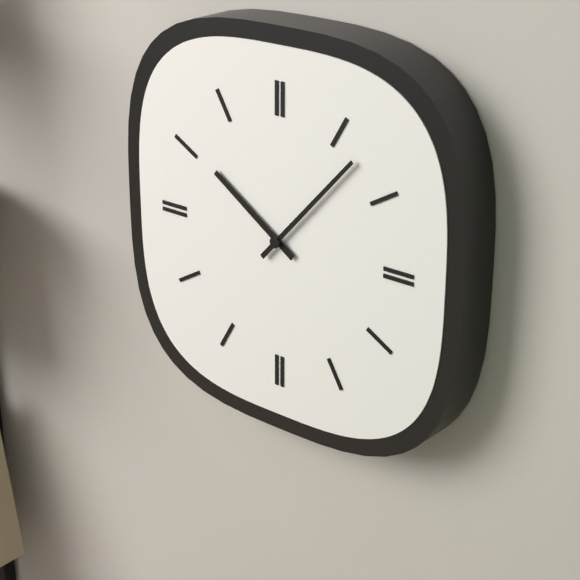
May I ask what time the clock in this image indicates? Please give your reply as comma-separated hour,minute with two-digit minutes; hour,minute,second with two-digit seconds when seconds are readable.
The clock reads 10,07
